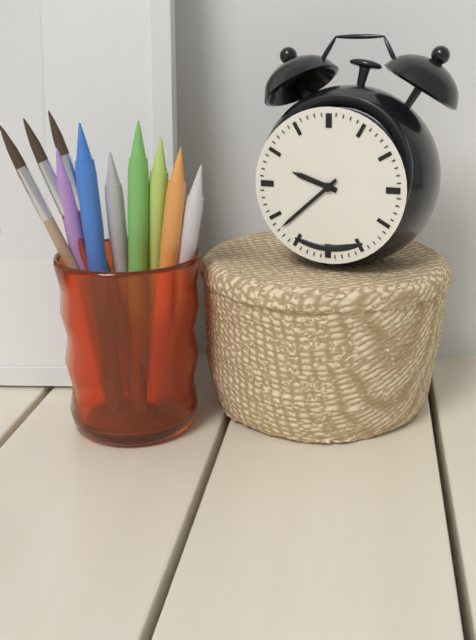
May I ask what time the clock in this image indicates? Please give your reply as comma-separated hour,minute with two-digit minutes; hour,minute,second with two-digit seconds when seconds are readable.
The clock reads 9,38
